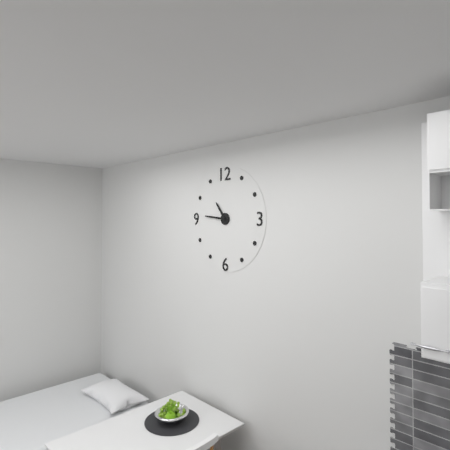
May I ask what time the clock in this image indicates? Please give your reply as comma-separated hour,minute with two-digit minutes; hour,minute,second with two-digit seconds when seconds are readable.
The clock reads 10,46
